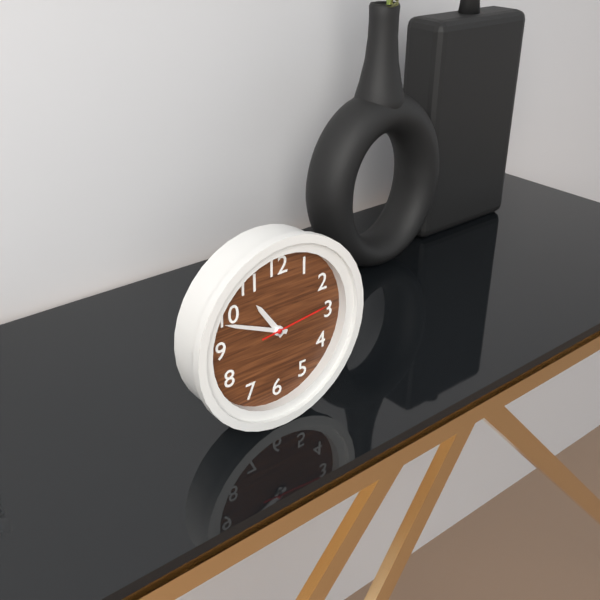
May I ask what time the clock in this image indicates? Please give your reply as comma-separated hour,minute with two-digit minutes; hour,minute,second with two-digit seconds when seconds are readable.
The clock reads 10,49,14
